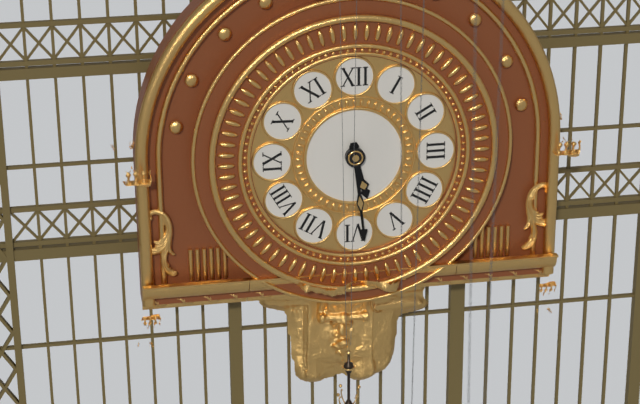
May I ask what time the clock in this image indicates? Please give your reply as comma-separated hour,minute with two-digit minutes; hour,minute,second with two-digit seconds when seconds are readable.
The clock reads 5,29
